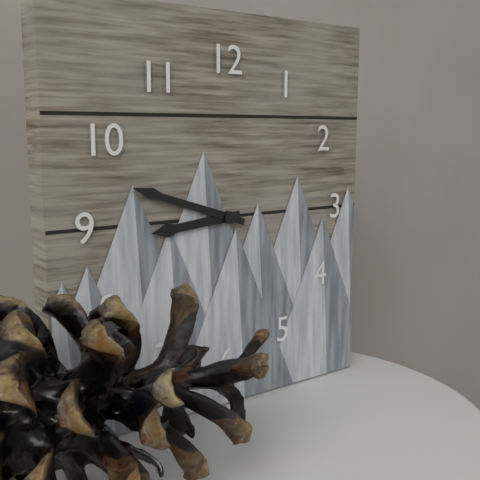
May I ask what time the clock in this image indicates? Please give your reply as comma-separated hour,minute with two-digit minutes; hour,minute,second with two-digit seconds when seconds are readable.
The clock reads 8,48
